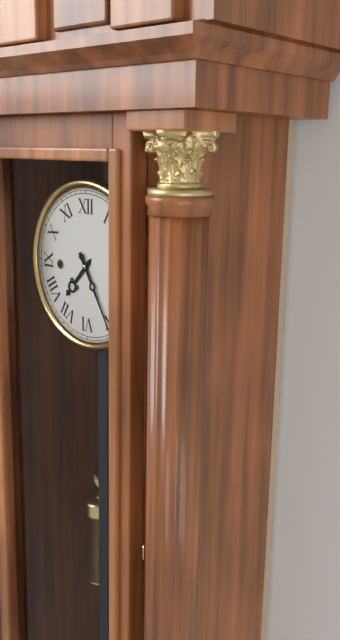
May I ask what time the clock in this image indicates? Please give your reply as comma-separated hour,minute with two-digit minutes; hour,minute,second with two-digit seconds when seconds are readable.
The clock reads 7,25
